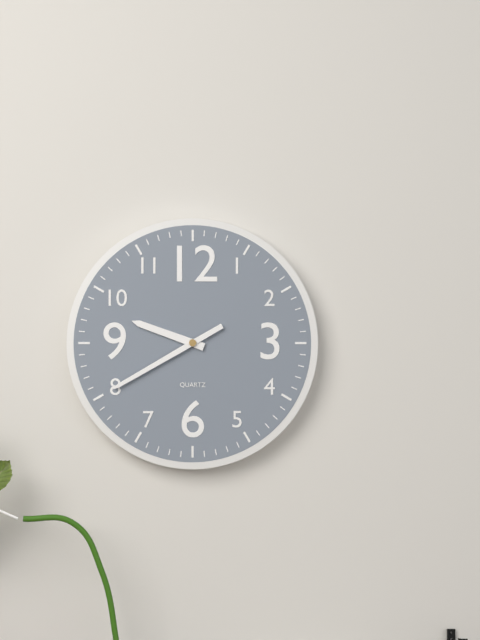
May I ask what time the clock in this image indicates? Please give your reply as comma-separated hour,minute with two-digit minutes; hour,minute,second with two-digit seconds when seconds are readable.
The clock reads 9,40
